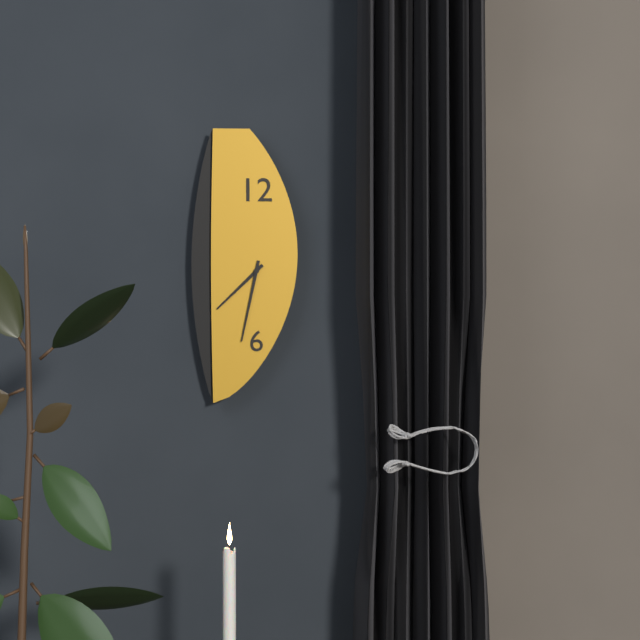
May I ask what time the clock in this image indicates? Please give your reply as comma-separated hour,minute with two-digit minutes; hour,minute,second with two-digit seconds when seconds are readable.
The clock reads 7,32
